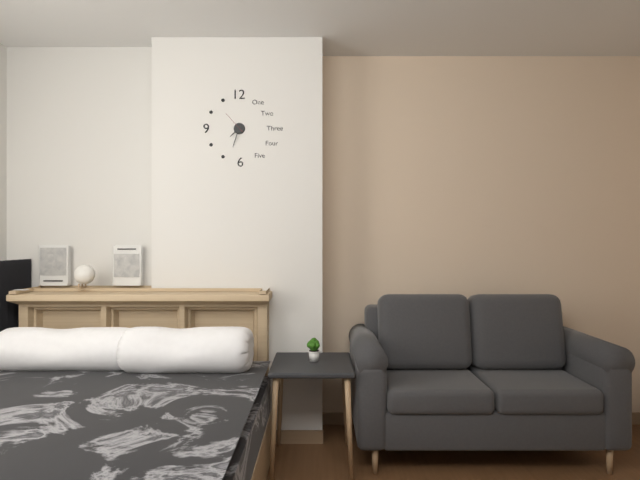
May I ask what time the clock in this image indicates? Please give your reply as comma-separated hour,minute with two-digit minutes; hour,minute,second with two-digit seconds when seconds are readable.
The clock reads 7,33
